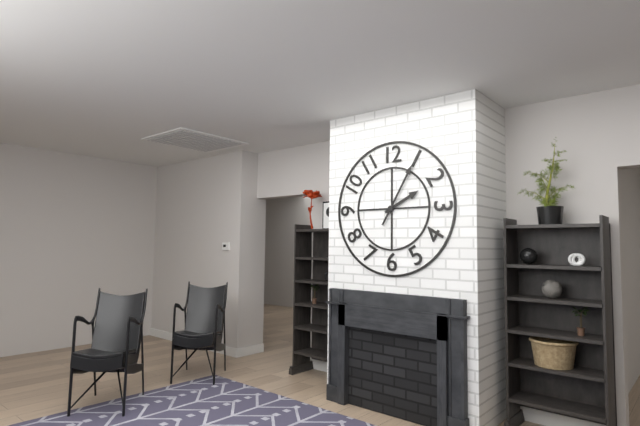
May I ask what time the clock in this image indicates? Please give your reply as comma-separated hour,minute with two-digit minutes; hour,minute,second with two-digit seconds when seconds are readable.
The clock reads 2,05
